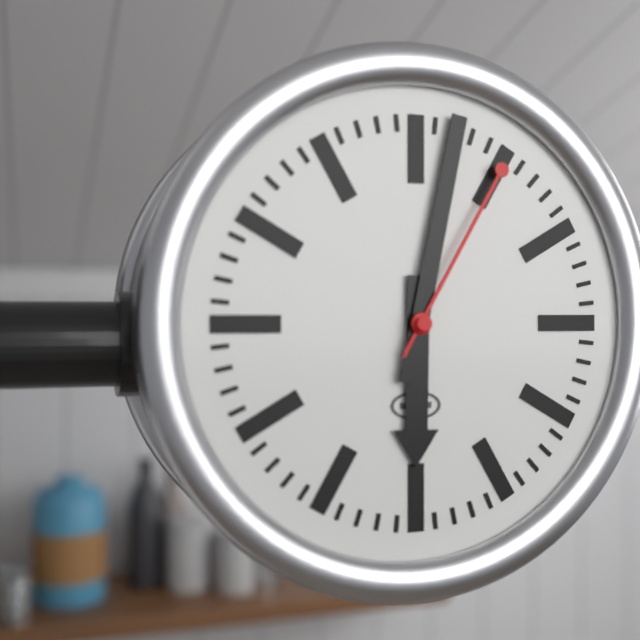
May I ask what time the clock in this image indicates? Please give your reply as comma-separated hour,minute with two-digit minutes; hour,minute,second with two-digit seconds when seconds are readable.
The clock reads 6,02,05
